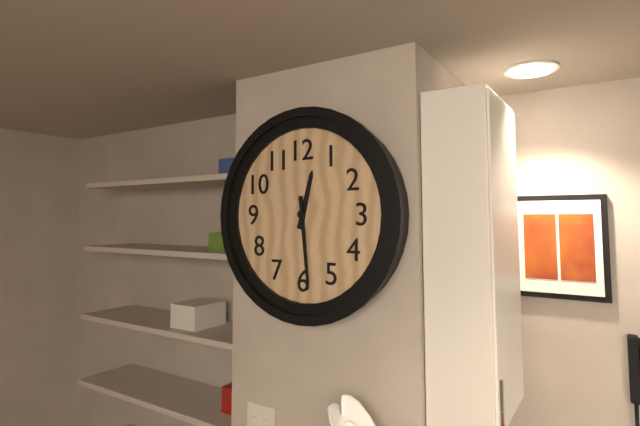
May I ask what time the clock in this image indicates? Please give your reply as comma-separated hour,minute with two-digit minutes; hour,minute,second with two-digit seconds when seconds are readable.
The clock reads 12,29
